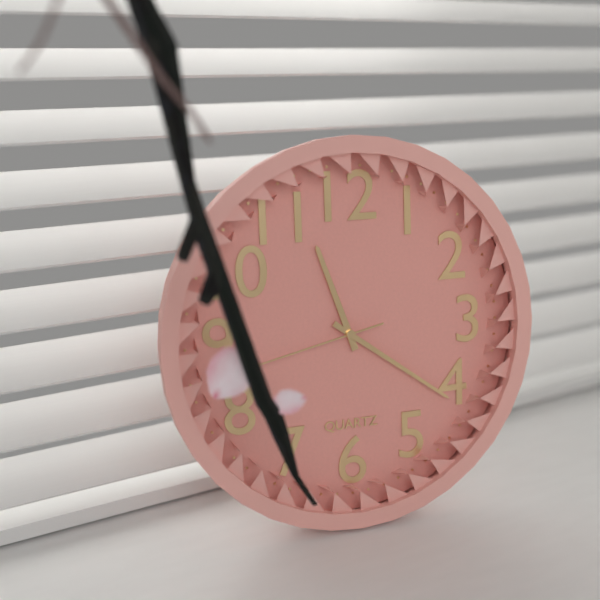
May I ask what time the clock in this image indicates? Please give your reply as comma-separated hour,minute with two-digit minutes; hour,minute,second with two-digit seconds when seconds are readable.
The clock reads 11,21
